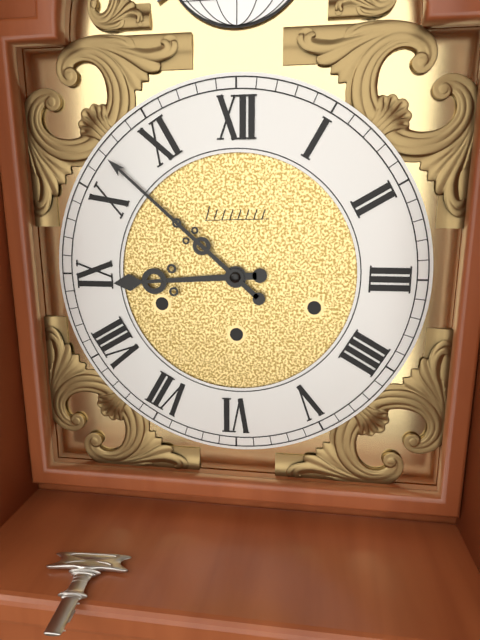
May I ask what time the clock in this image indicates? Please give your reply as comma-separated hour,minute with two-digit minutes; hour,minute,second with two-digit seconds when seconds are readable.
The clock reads 8,52
